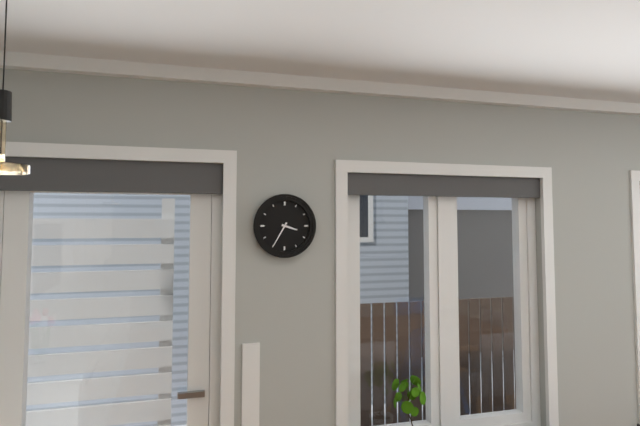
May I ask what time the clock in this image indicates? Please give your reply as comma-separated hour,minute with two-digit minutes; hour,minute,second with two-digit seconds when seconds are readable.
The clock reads 3,35
